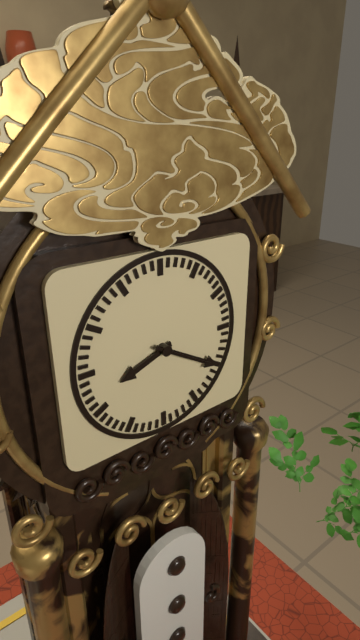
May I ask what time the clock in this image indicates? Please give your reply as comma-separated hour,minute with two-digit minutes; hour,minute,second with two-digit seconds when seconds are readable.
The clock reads 8,20
